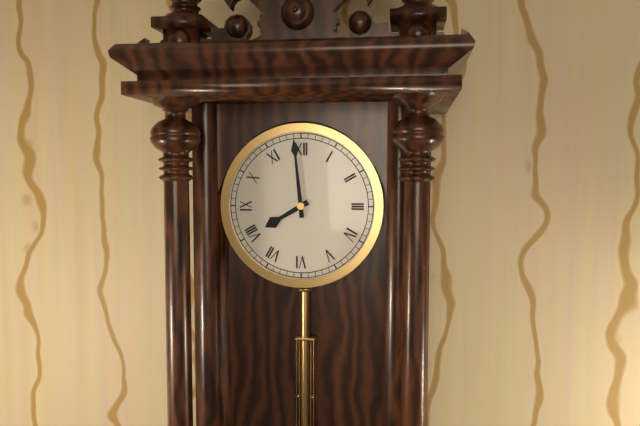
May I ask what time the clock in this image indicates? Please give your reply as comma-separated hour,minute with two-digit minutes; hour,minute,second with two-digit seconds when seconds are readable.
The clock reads 7,59
